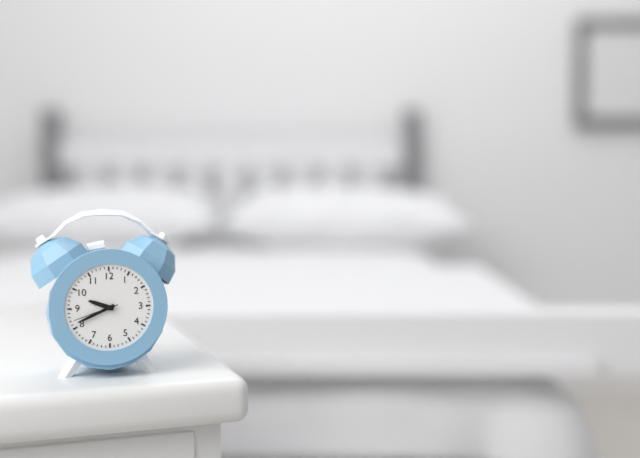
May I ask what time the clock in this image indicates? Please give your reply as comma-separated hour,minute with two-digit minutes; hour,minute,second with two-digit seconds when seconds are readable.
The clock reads 9,41
